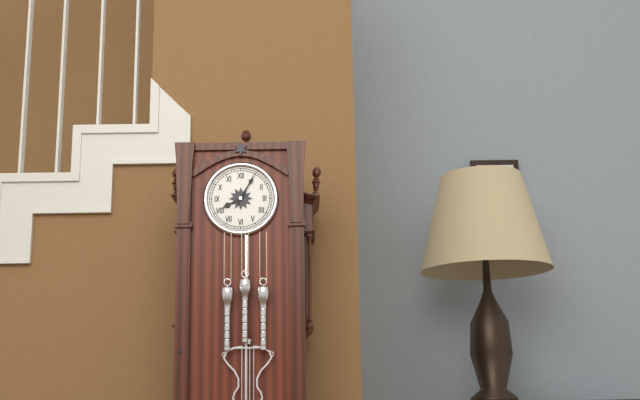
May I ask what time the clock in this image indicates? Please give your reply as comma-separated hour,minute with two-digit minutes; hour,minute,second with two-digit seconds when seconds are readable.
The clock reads 8,05
